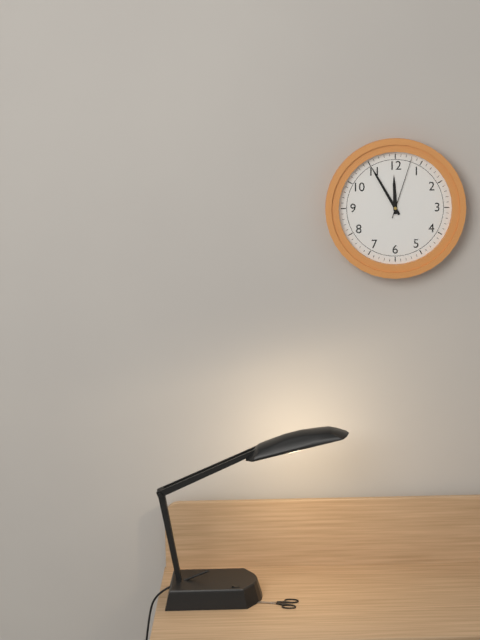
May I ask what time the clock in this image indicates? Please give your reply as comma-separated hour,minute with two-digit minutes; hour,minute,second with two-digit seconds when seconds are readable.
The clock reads 11,55,03
